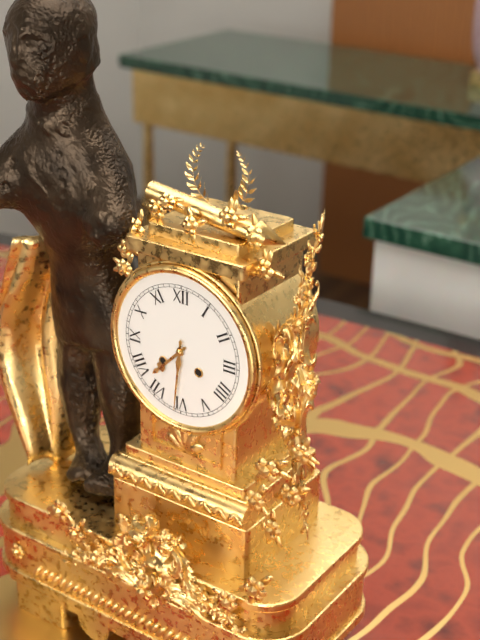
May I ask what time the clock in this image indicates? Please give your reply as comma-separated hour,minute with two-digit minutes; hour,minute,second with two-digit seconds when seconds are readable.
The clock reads 7,31
